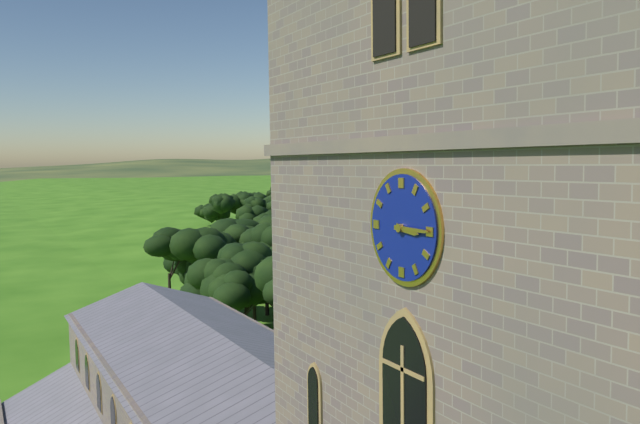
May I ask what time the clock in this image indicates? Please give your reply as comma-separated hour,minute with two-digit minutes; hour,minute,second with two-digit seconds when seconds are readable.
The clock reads 3,15
